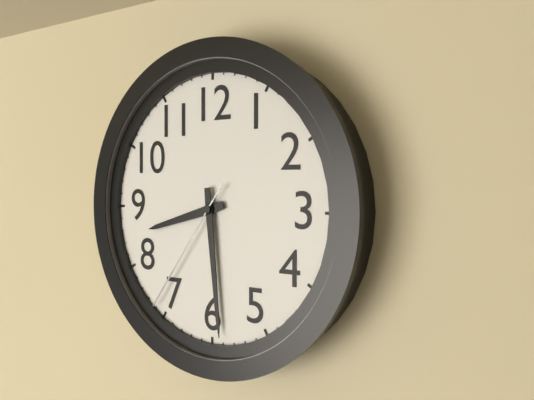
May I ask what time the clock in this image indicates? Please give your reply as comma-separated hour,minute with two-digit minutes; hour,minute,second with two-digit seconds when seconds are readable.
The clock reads 8,29,36
